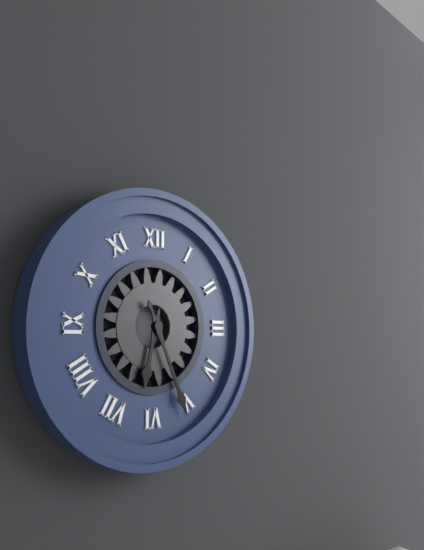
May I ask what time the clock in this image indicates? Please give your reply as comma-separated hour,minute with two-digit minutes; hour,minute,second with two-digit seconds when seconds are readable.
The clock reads 6,26
